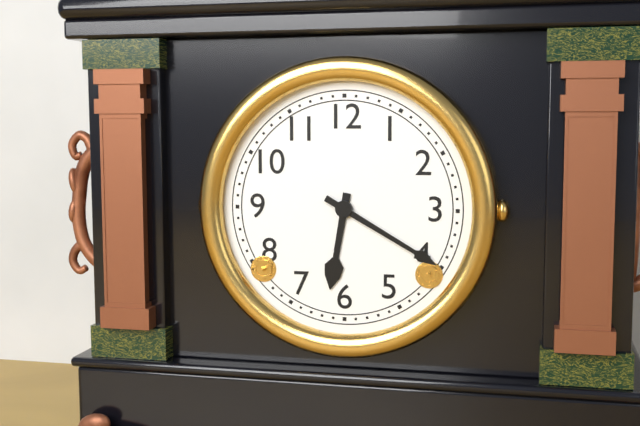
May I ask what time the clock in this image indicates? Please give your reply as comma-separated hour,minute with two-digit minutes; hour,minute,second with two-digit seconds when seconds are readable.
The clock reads 6,20
